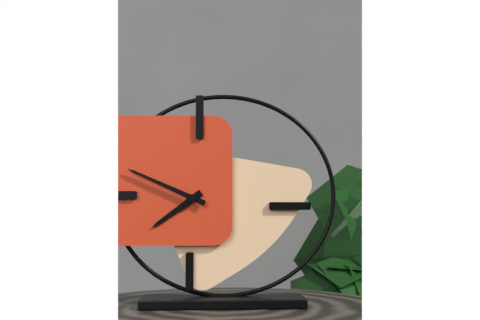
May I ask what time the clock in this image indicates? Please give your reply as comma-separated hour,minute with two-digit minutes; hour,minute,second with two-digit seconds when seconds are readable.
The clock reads 7,49
